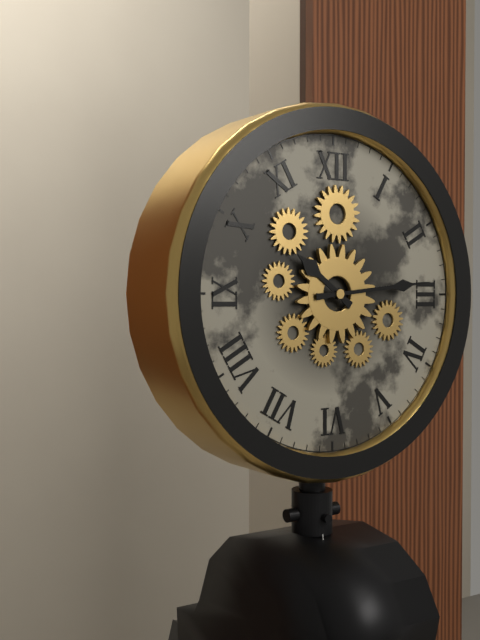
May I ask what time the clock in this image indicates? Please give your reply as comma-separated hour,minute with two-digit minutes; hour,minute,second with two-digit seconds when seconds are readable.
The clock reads 10,14
